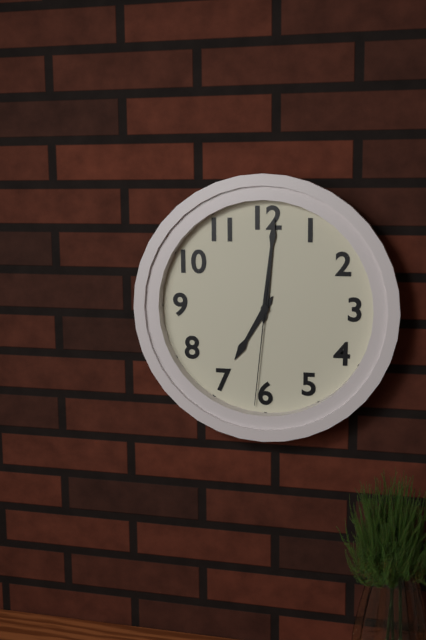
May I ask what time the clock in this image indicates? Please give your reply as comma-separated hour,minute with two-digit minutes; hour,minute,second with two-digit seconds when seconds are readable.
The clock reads 7,01,31
